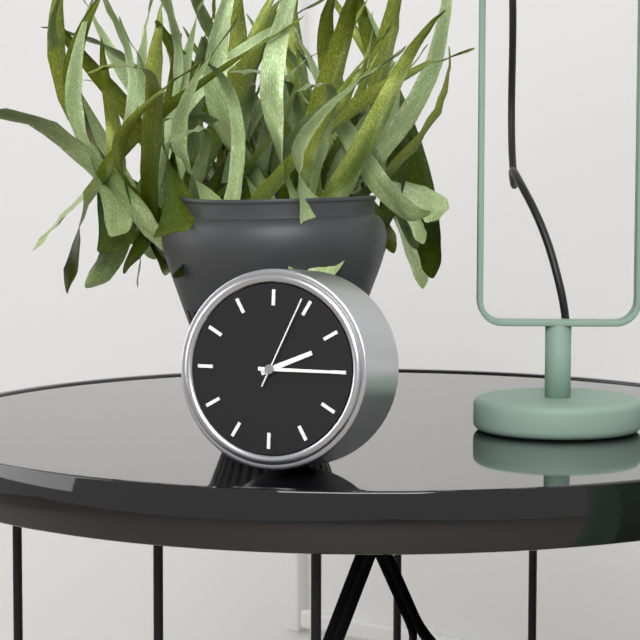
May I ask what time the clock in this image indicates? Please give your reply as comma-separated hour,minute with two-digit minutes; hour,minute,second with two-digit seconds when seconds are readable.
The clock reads 2,15,04
